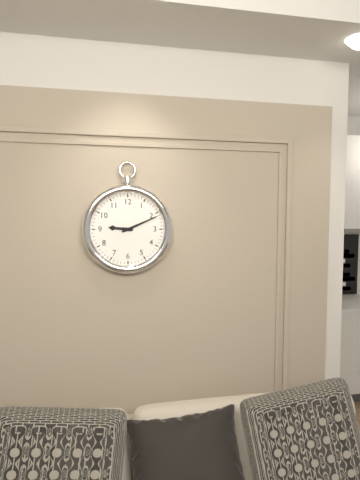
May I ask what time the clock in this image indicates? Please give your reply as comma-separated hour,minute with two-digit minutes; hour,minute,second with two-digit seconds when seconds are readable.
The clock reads 9,11
